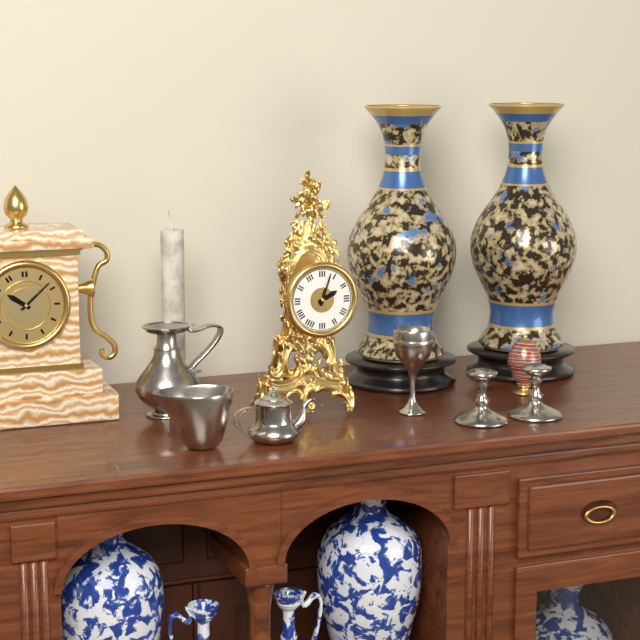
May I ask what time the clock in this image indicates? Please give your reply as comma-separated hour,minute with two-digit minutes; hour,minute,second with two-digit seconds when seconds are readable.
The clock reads 2,03
